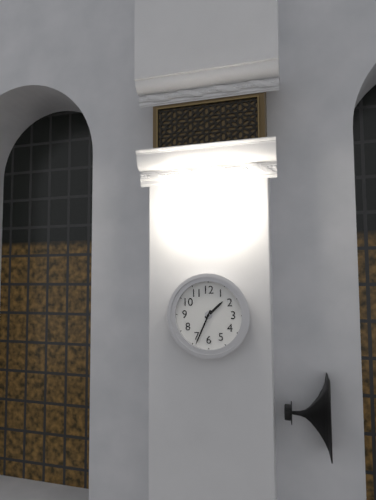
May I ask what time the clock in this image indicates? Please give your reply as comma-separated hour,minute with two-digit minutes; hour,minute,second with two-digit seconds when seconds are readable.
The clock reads 1,34
